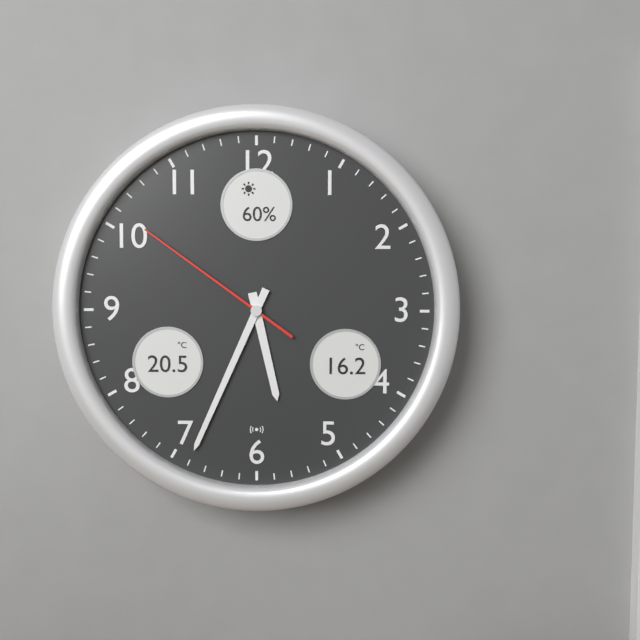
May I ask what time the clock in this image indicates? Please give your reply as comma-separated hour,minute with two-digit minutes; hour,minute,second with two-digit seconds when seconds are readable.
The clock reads 5,34,51
